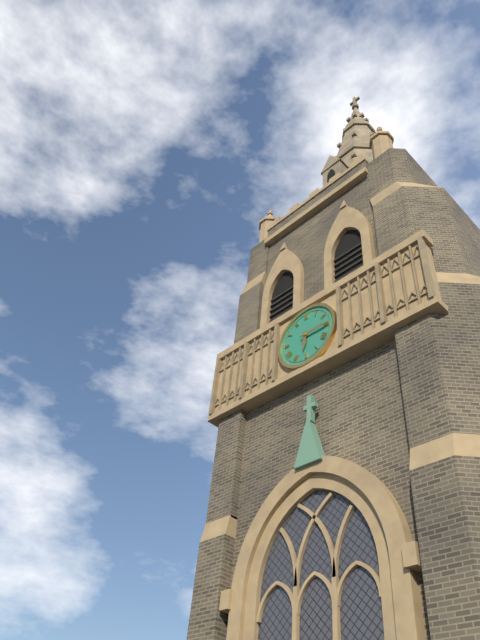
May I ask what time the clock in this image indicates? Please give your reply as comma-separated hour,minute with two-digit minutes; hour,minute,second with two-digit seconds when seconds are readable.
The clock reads 6,15
